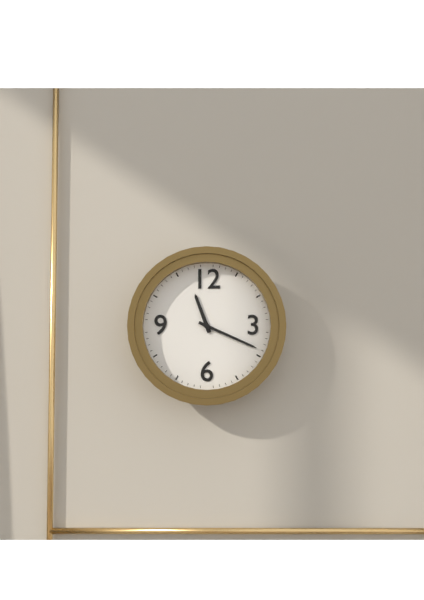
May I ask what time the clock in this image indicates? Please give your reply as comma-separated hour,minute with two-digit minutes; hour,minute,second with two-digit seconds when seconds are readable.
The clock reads 11,19
